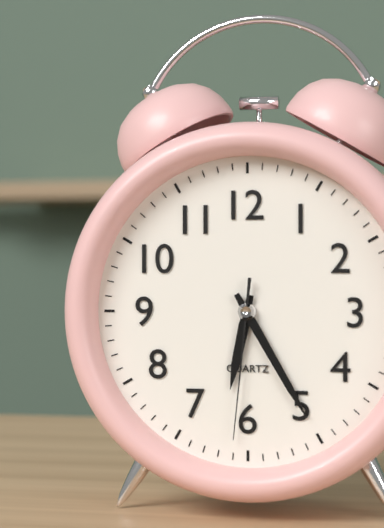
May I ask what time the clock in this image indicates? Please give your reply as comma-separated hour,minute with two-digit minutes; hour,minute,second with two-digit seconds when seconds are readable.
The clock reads 6,25,31
